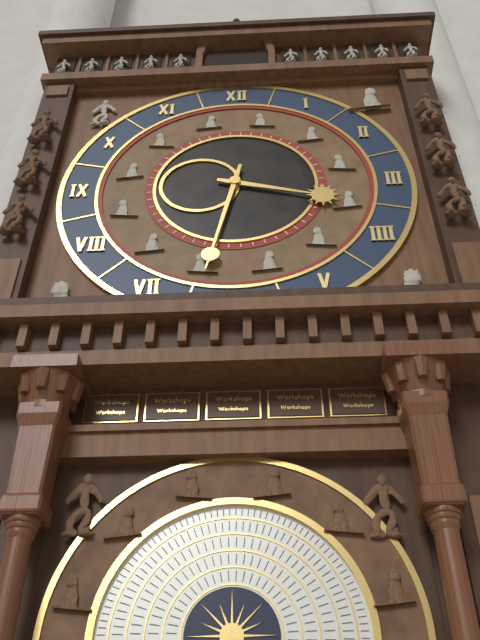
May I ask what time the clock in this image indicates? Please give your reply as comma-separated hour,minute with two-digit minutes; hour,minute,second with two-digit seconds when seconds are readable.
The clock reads 3,32
